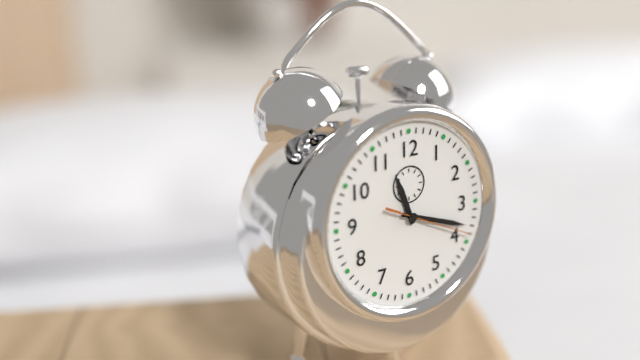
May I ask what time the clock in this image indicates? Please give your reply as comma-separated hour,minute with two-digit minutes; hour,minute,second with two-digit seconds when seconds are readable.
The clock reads 11,18,19
